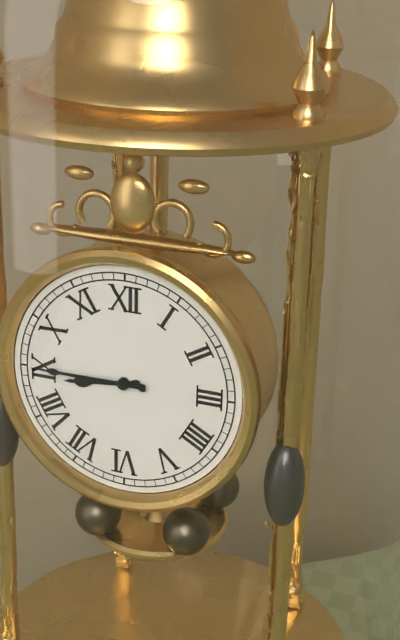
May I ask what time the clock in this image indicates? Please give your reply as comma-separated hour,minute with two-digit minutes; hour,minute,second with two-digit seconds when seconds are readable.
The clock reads 8,45
